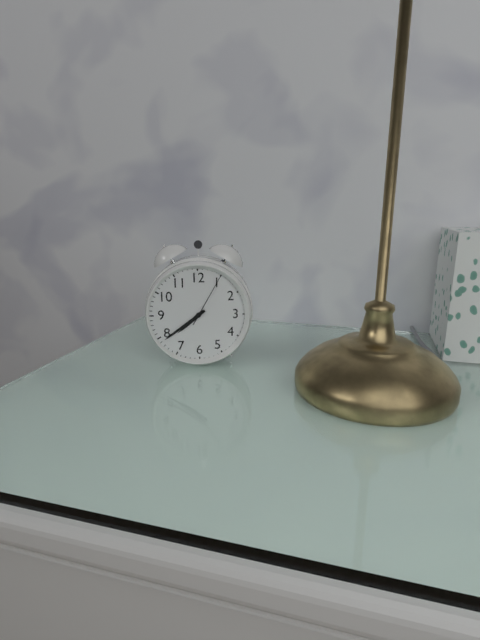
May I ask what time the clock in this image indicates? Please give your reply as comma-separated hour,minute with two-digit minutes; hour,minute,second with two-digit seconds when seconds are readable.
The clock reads 7,39,05
